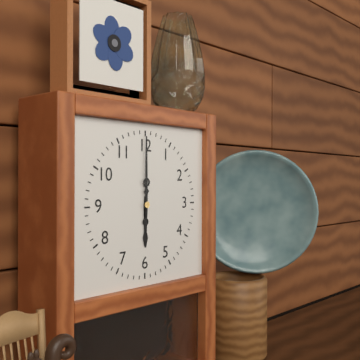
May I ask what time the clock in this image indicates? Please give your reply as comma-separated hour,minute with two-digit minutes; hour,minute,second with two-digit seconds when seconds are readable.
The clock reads 6,00
